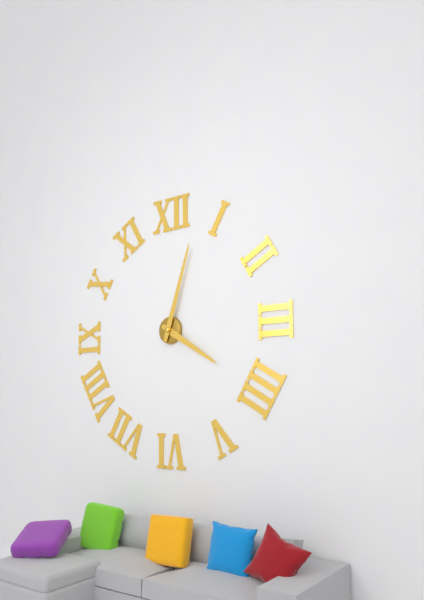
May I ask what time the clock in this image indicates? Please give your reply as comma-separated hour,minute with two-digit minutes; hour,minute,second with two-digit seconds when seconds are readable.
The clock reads 4,03
